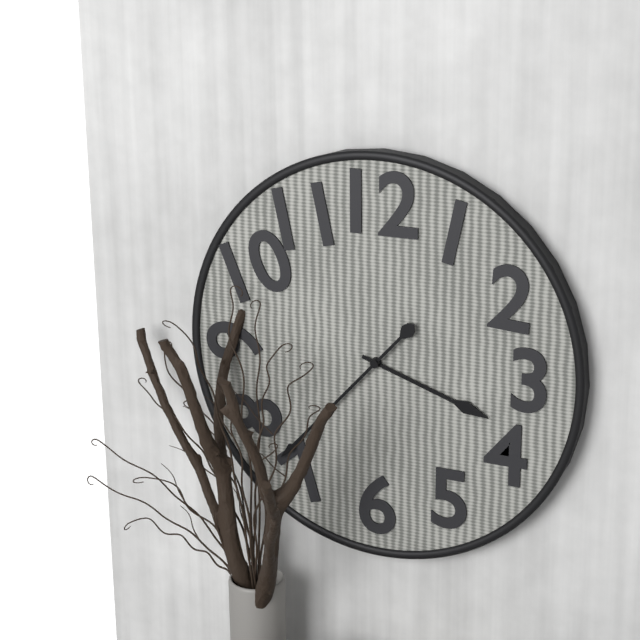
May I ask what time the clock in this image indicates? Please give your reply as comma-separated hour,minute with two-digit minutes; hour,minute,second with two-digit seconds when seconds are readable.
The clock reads 3,37
